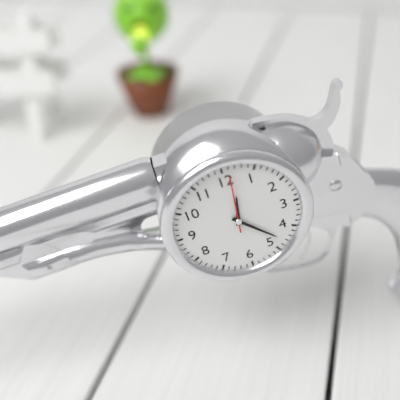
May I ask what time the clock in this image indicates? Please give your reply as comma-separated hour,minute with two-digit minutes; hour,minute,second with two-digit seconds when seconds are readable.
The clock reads 12,23,01
